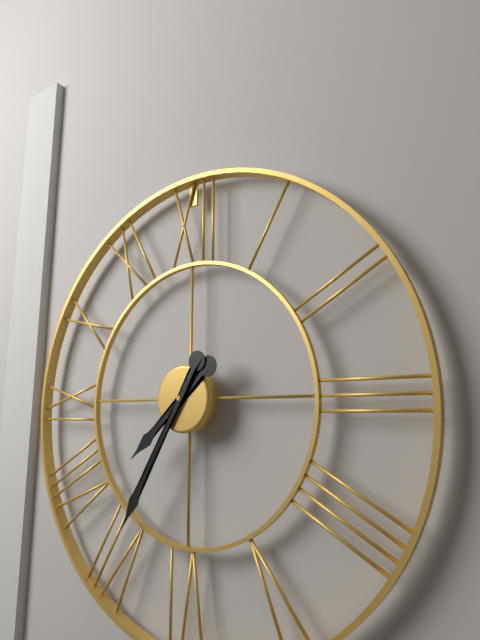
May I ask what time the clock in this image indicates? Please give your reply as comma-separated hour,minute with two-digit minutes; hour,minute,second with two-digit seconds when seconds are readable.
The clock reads 7,35
